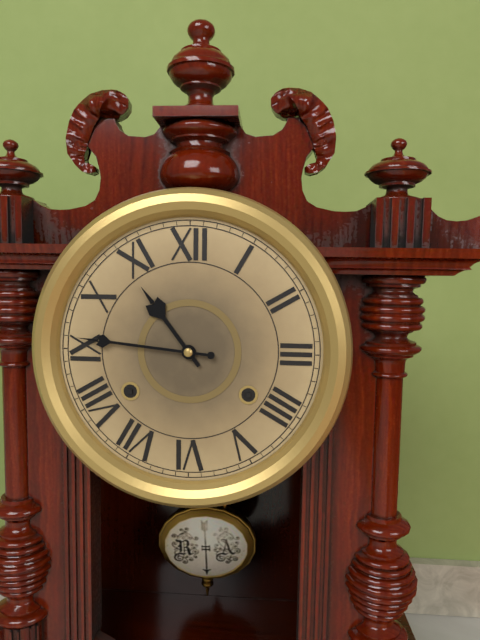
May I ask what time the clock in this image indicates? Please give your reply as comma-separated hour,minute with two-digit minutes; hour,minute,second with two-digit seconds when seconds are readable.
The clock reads 10,46
